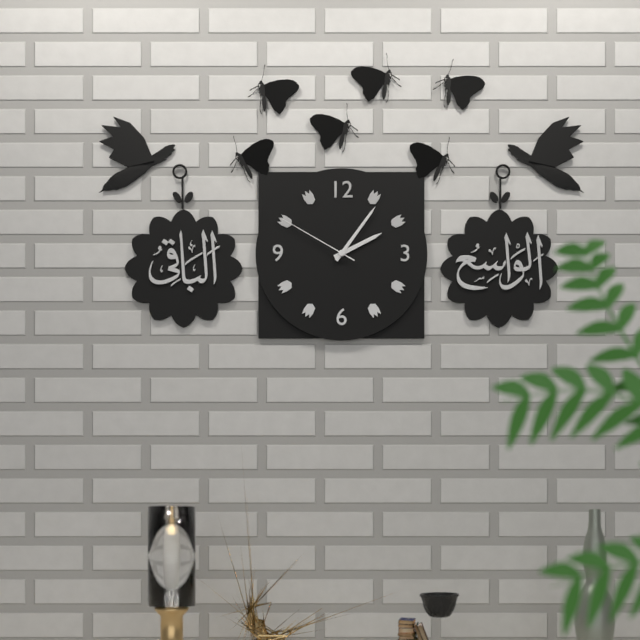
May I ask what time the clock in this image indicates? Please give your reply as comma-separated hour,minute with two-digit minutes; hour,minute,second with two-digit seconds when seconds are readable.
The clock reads 2,06,50
